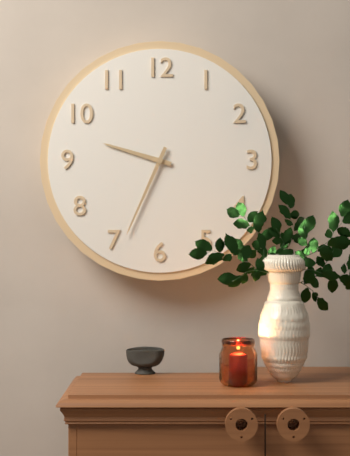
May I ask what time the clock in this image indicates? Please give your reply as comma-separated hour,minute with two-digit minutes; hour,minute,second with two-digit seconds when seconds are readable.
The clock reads 9,34
